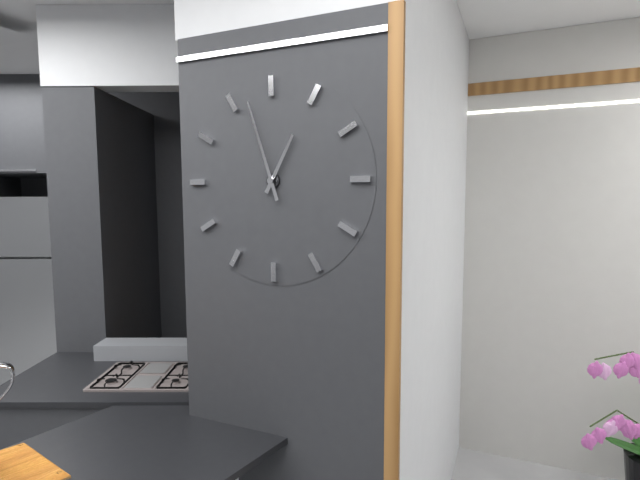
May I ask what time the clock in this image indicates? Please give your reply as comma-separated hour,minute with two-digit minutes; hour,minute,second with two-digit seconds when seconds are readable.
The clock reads 12,57
